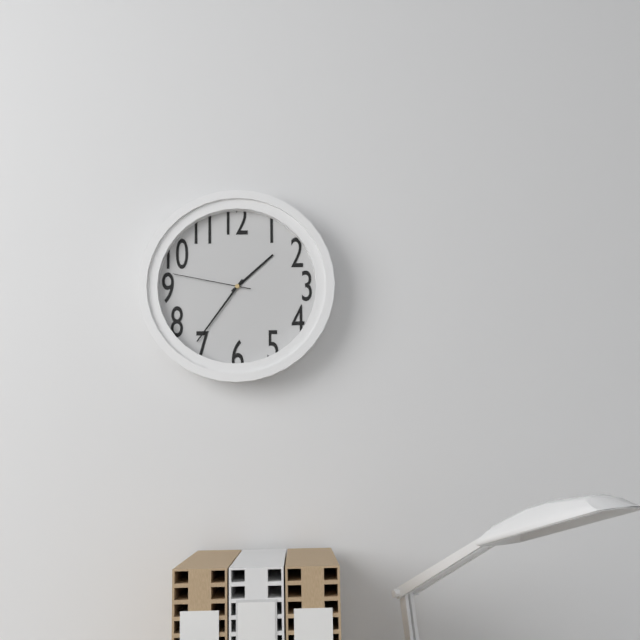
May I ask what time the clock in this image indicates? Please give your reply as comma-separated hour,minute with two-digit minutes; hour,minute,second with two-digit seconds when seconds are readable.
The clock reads 1,36,47
